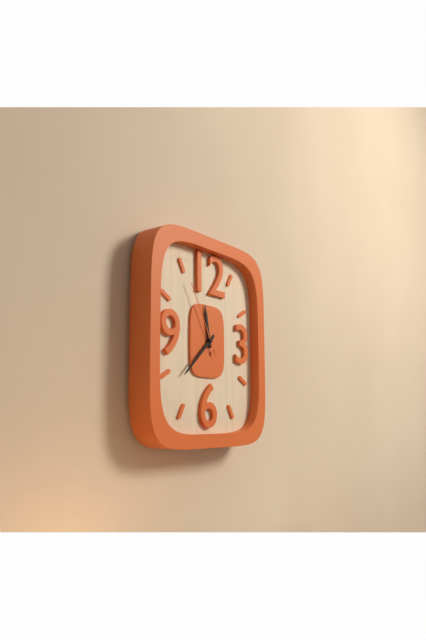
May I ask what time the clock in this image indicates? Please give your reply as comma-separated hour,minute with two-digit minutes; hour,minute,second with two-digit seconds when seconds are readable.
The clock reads 11,38,55
